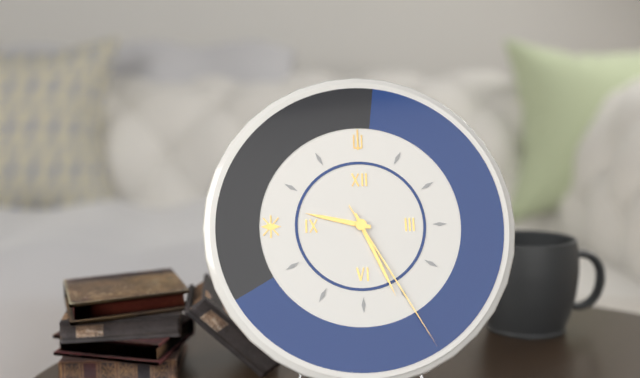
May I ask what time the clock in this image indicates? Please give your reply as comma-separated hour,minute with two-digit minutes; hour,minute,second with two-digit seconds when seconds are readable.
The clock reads 9,26,25
